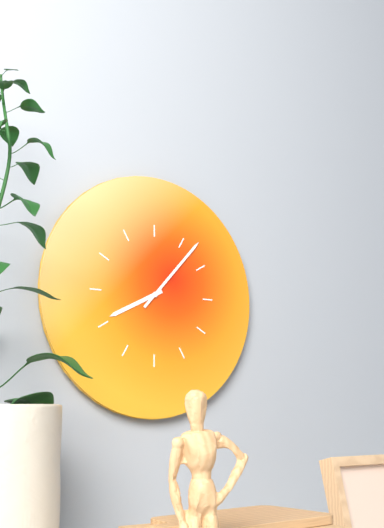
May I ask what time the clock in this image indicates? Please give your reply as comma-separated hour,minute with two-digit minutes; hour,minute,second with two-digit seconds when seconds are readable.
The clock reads 8,07
